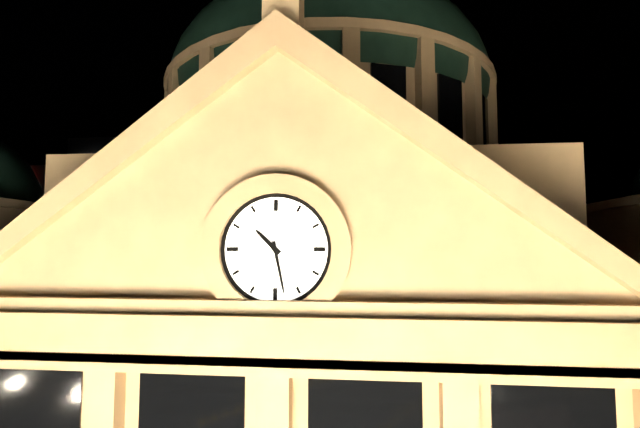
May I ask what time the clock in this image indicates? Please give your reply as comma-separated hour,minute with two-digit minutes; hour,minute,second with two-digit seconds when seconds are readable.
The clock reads 10,28
